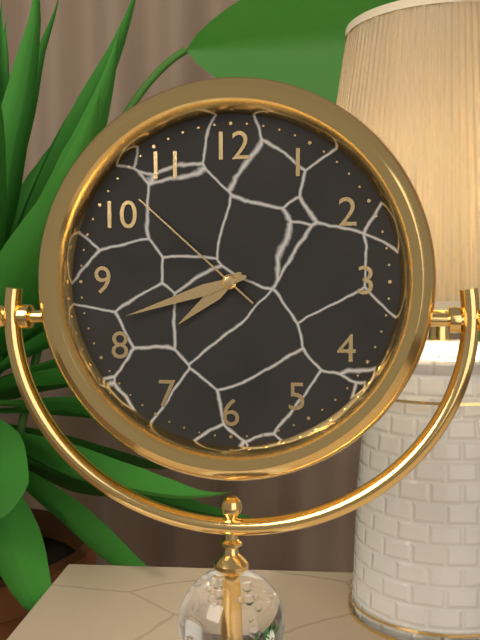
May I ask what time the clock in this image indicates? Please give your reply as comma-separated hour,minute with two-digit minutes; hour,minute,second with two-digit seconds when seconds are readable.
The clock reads 7,42,52
